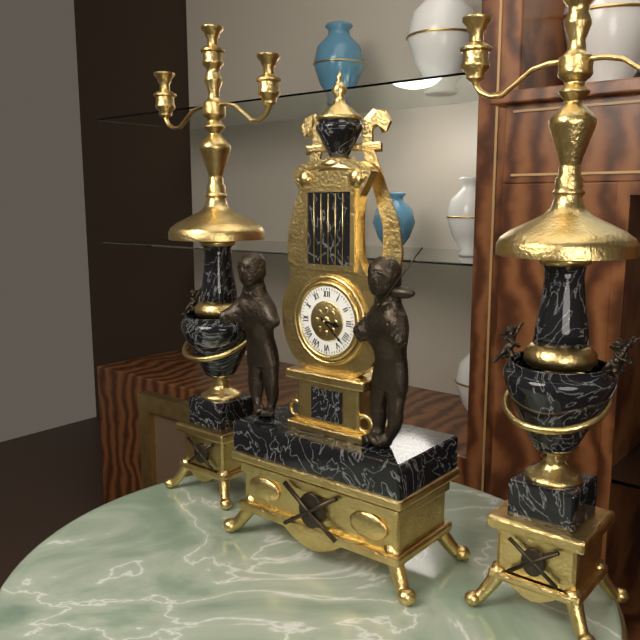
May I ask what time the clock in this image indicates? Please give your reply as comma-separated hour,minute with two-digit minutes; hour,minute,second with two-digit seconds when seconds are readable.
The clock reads 3,22
